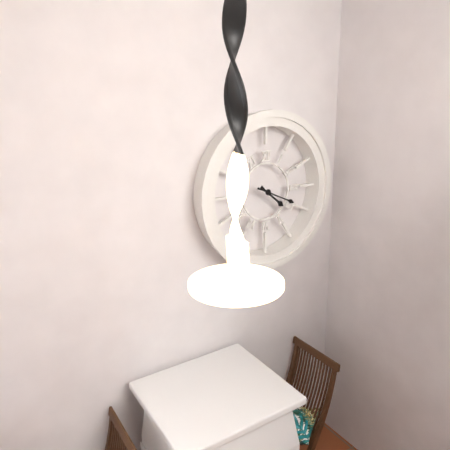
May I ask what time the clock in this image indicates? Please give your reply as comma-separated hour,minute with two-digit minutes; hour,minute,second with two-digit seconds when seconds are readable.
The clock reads 4,19
